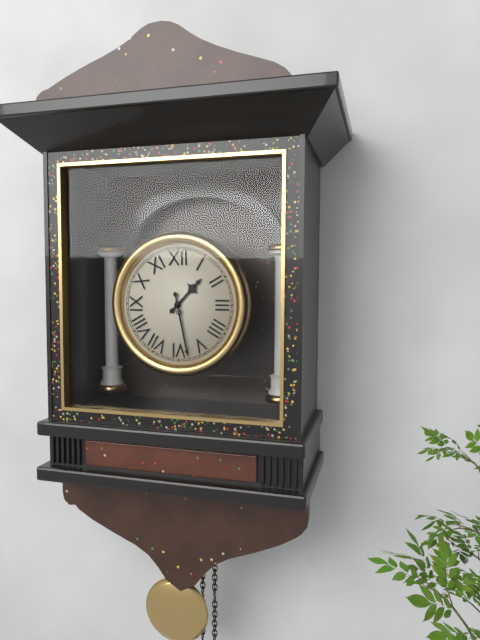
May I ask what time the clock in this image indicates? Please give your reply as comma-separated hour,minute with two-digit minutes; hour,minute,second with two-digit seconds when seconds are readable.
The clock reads 1,28
